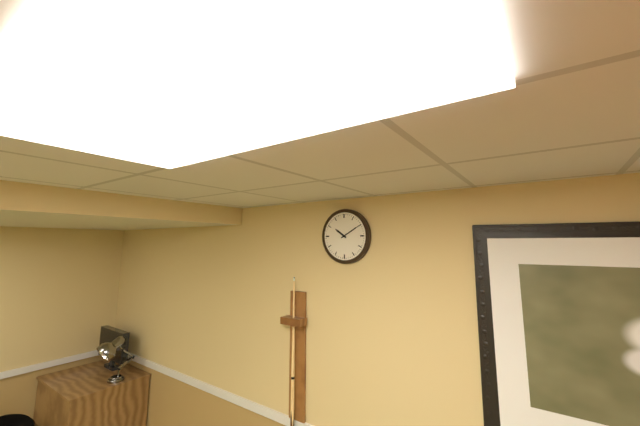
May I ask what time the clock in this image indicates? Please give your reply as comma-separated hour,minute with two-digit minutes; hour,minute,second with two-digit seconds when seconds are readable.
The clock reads 10,10
